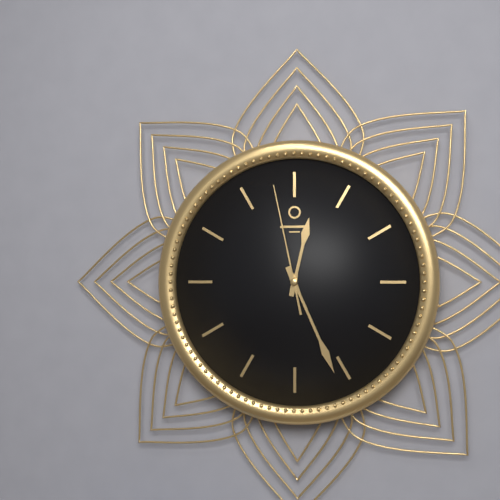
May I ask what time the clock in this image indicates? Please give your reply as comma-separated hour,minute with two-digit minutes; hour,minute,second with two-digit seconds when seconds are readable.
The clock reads 12,26,58
